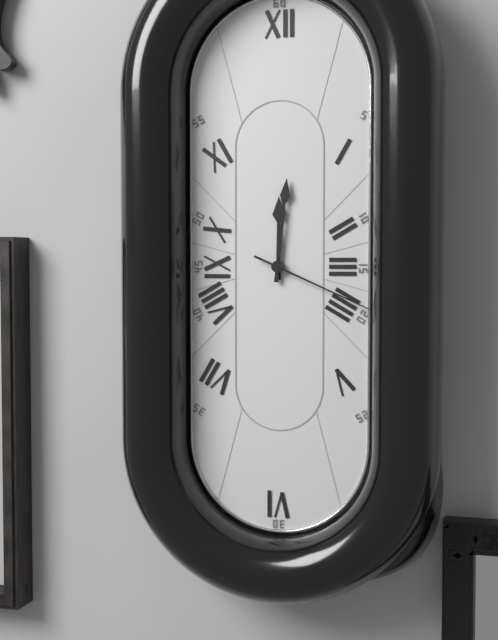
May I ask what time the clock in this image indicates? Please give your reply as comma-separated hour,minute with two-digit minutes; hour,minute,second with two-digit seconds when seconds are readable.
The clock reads 12,01,19
